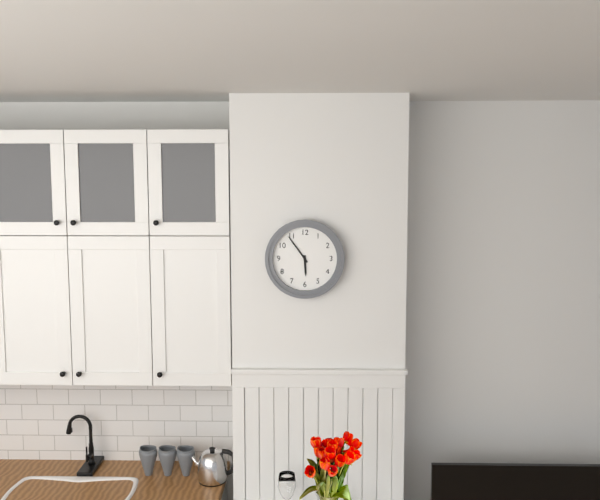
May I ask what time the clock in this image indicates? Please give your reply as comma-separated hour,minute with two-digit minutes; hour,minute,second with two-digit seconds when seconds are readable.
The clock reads 5,54
